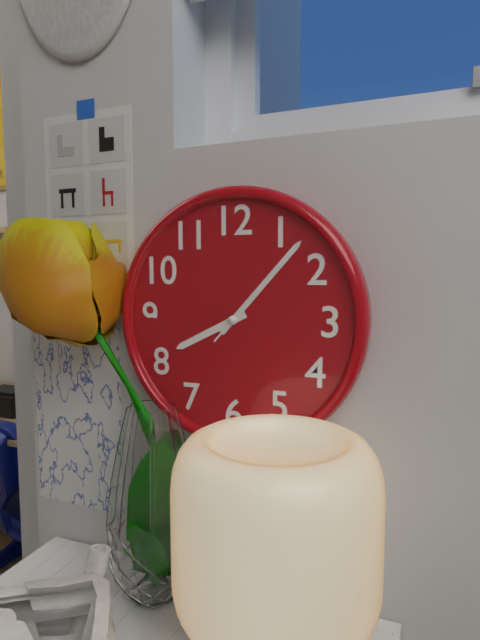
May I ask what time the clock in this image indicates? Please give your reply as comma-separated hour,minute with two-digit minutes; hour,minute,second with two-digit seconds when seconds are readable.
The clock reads 8,07,07
